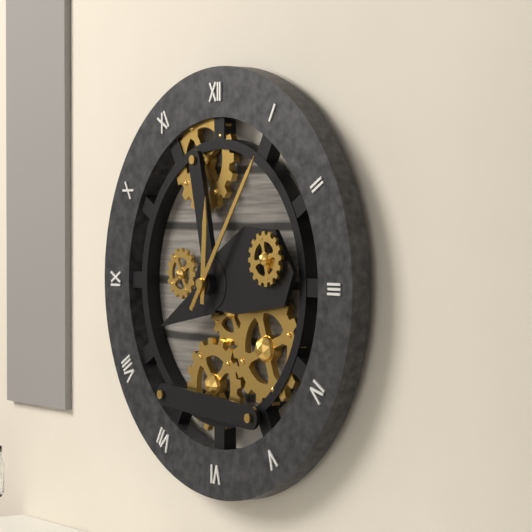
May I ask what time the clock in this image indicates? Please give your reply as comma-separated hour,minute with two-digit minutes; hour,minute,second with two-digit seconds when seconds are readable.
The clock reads 12,06
